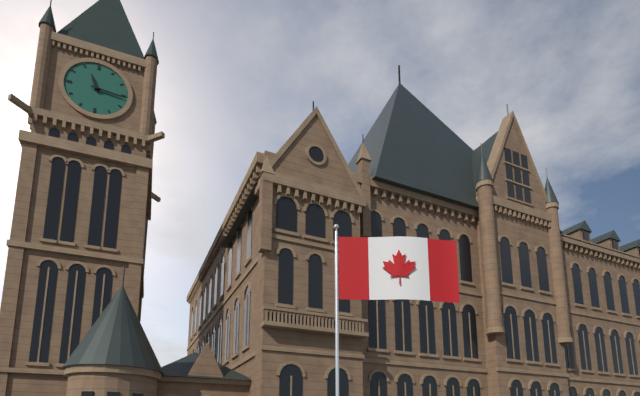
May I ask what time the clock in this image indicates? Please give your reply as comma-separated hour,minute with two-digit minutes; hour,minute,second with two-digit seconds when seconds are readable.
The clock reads 11,16
